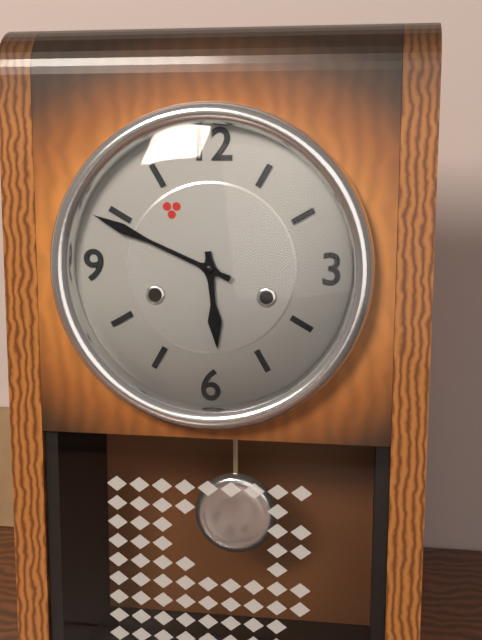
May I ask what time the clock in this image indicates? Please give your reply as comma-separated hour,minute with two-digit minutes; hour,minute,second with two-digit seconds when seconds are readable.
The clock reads 5,49
